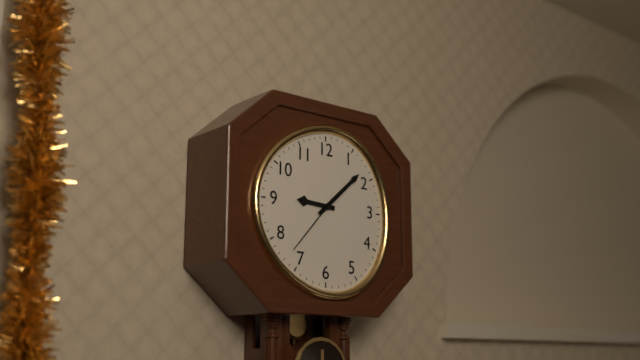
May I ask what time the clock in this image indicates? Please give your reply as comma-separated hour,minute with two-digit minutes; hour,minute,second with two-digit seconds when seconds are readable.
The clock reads 9,08,37
